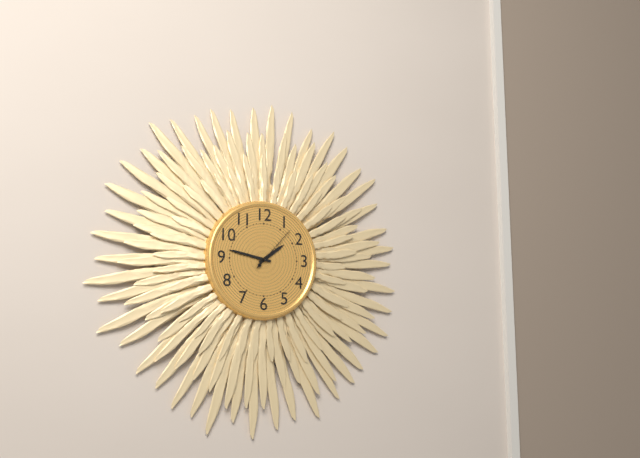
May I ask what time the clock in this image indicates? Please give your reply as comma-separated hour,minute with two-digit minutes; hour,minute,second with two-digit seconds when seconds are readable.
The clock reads 1,47,07
